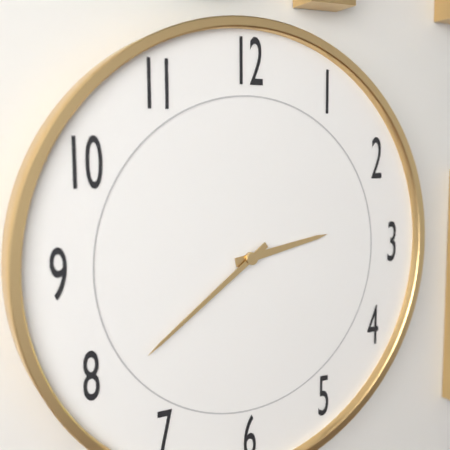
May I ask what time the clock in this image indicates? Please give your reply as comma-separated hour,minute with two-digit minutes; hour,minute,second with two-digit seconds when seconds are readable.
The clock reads 2,39
